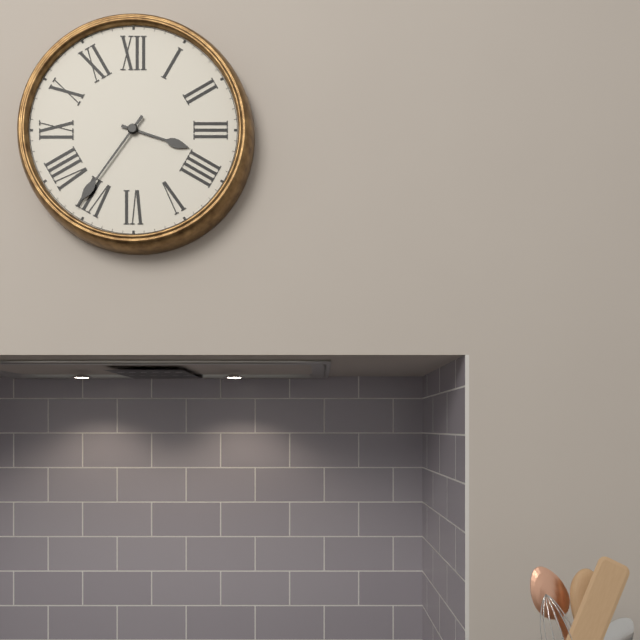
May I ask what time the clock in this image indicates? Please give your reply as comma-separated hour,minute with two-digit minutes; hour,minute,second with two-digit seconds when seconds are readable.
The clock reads 3,36
